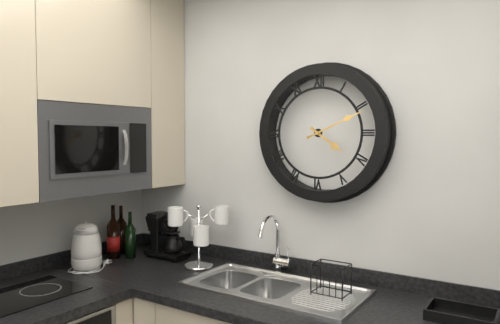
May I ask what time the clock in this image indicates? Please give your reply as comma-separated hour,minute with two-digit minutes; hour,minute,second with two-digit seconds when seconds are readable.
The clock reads 4,11
